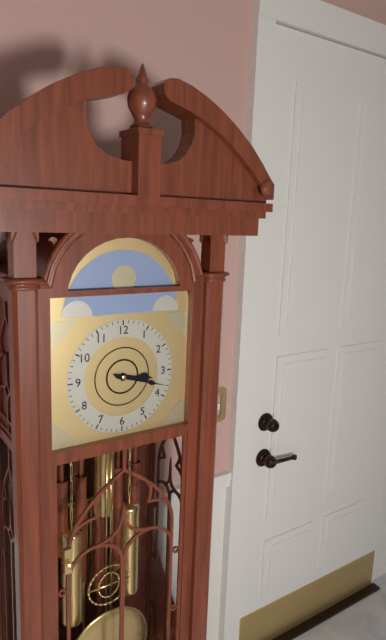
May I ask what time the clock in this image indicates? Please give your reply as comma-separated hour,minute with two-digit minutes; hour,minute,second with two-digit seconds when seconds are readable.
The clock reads 3,18
